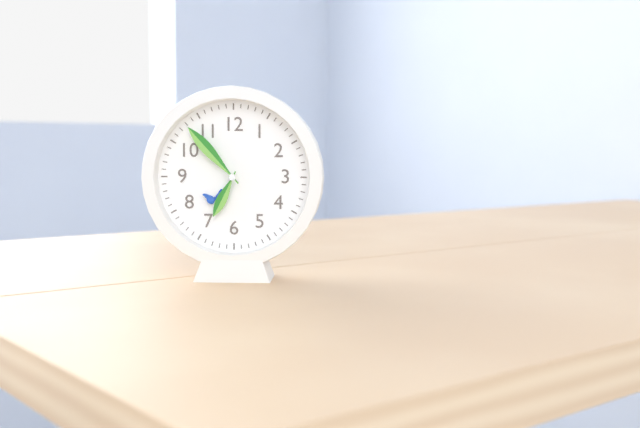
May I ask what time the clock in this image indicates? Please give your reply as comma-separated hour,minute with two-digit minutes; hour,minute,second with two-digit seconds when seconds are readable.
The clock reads 6,53
